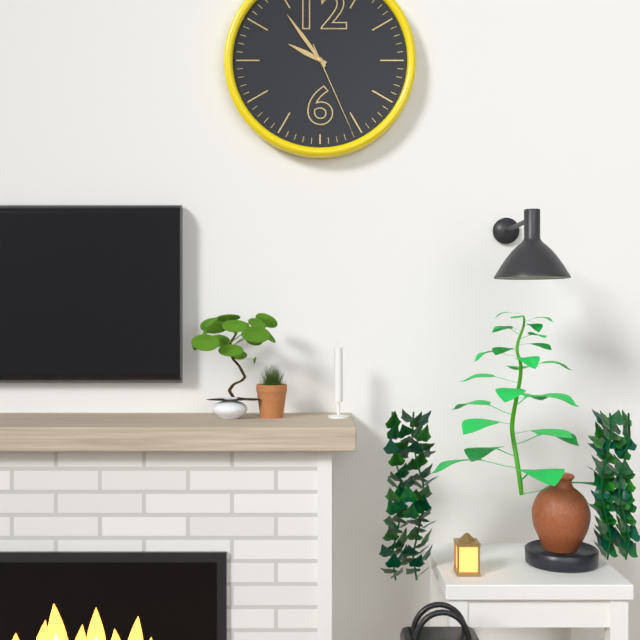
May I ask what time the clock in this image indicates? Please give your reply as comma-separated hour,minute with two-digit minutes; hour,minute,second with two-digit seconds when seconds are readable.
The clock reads 9,54,26
